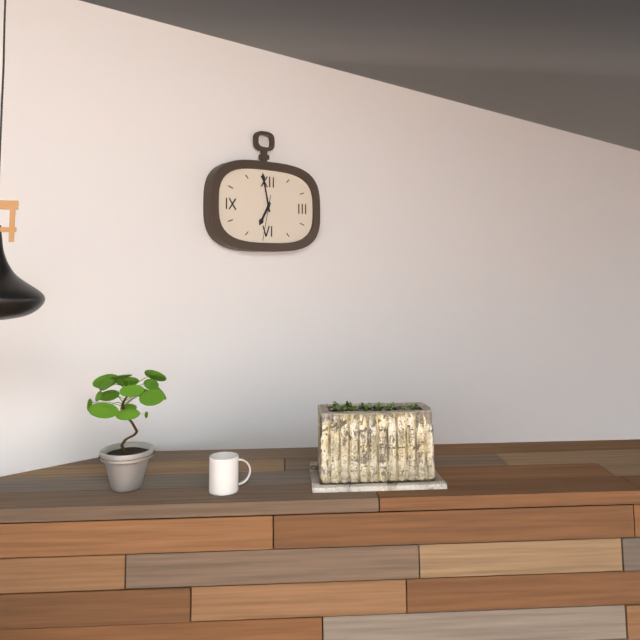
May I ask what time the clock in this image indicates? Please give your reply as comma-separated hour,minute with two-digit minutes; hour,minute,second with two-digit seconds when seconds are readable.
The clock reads 6,58
